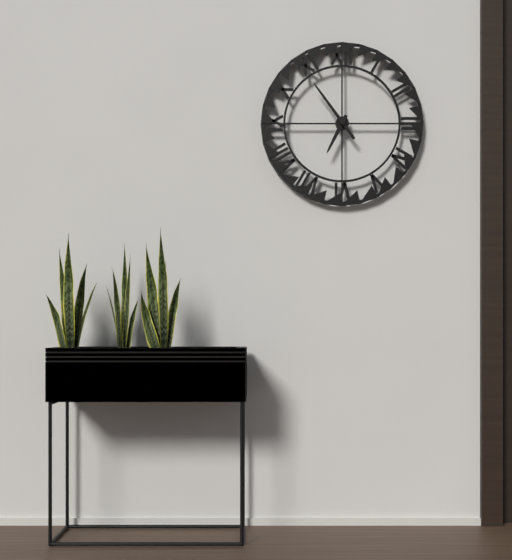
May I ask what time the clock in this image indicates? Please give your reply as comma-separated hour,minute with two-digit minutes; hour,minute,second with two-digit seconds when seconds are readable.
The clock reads 6,54
